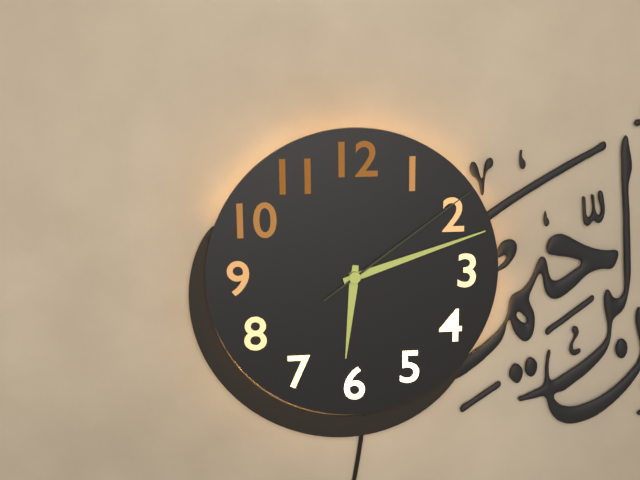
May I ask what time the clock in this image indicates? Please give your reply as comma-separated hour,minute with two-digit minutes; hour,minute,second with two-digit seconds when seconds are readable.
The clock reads 6,12,09
